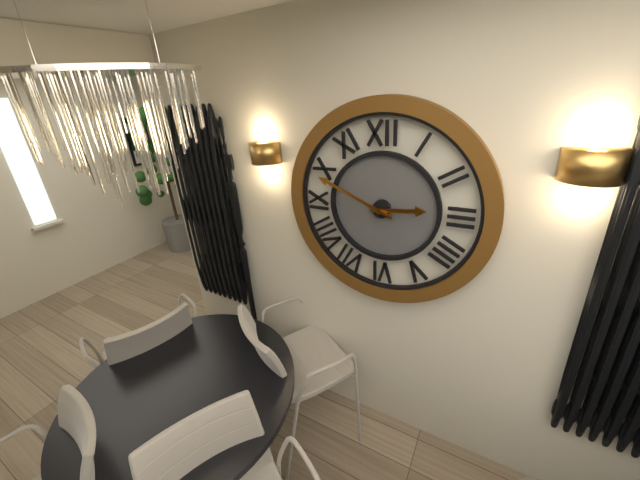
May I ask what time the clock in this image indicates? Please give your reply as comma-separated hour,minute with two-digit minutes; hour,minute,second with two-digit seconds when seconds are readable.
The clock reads 2,49
